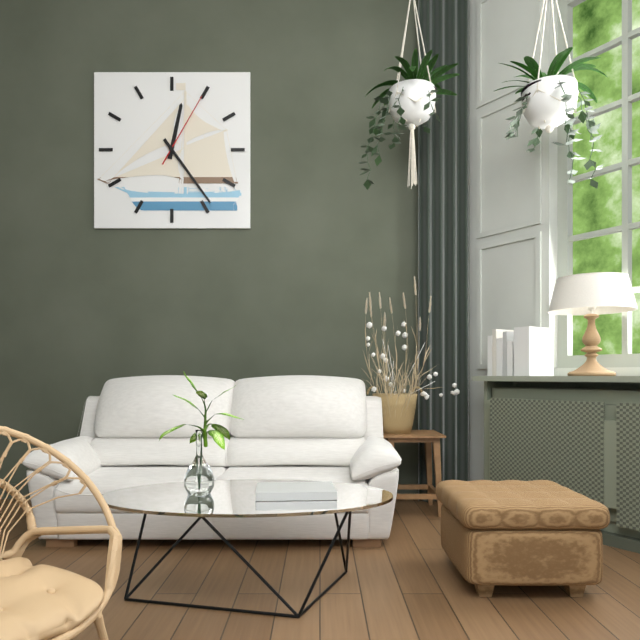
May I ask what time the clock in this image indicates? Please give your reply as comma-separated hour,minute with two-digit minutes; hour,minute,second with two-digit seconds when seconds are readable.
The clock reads 12,24,05
